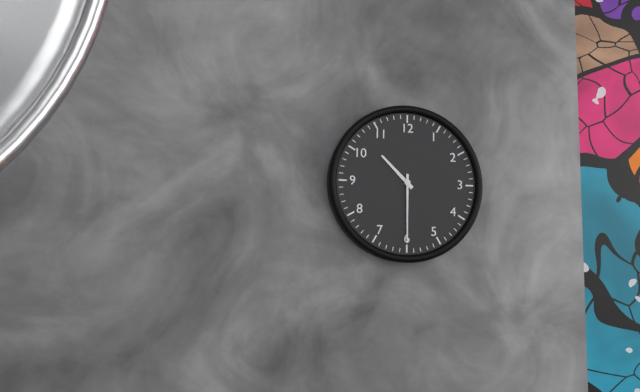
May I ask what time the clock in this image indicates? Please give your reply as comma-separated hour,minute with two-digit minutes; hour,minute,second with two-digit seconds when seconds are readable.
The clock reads 10,30
